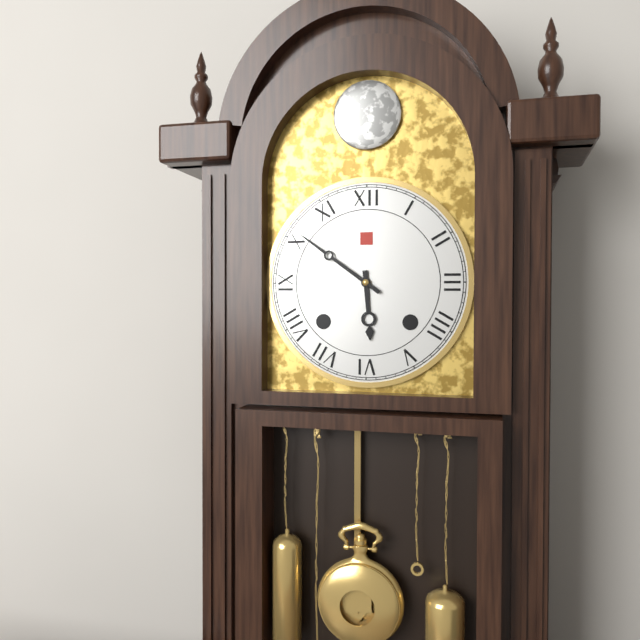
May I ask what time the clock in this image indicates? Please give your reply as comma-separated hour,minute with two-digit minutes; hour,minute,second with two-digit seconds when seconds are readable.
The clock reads 5,51
